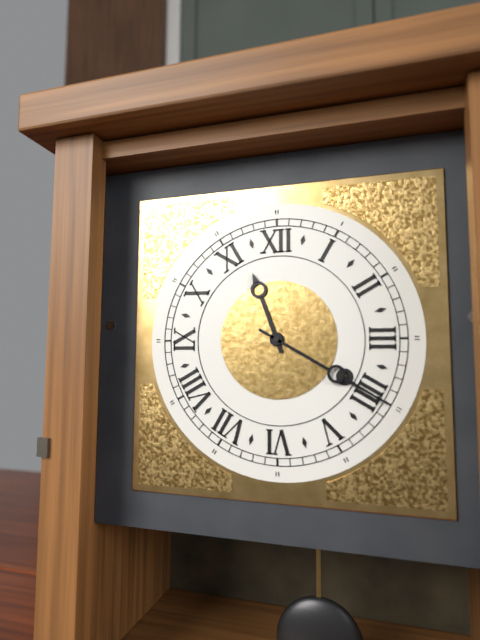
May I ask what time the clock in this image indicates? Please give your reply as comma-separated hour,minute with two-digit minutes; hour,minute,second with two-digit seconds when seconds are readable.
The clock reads 11,20
